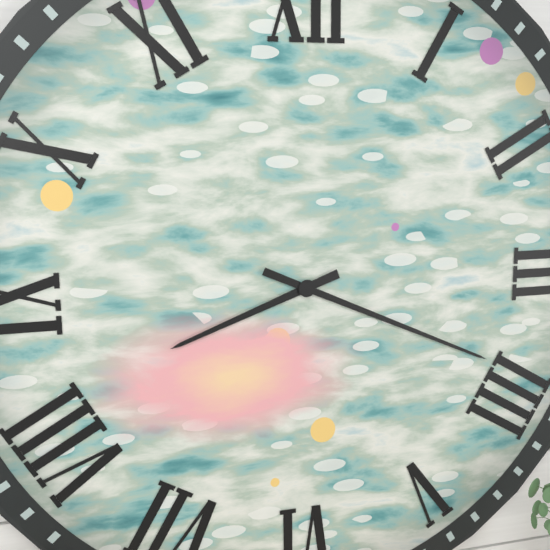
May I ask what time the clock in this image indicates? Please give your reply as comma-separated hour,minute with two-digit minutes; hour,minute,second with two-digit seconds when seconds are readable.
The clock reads 8,19
